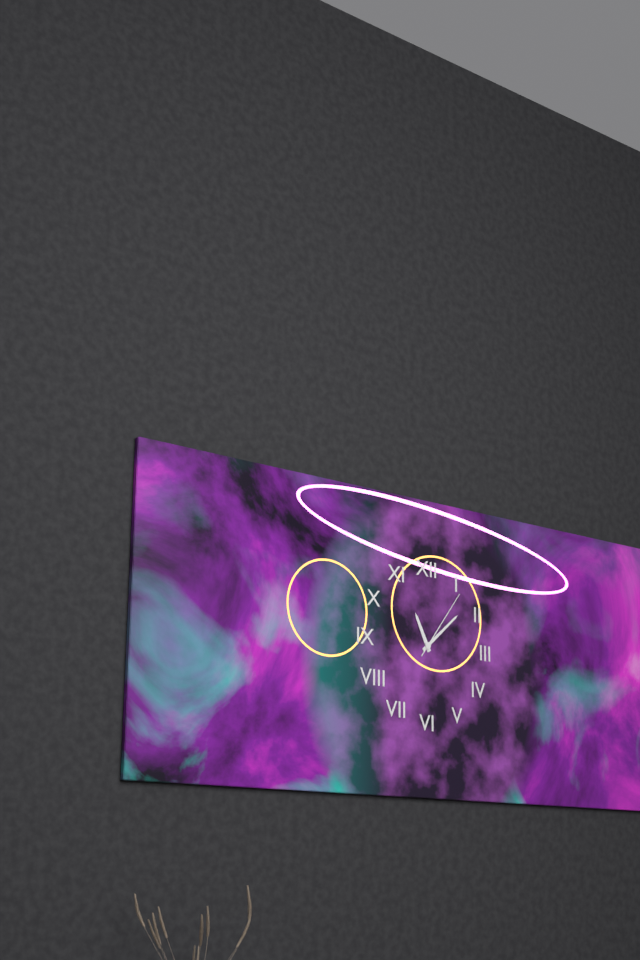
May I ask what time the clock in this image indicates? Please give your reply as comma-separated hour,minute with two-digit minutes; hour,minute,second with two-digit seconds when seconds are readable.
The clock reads 11,08,06
